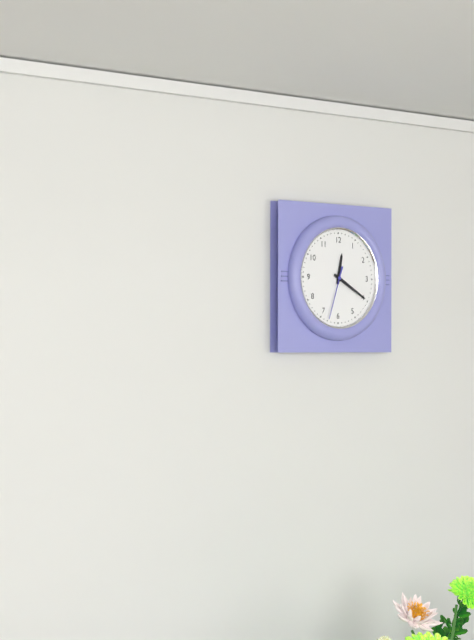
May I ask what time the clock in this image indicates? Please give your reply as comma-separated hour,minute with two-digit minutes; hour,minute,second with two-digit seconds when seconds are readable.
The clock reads 12,20
